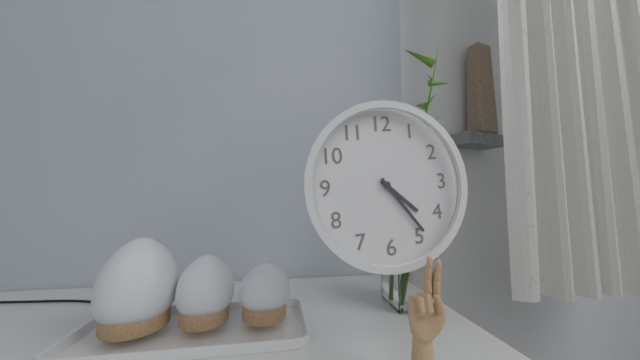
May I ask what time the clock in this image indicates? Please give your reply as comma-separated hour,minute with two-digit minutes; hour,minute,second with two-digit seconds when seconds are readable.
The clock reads 4,24
